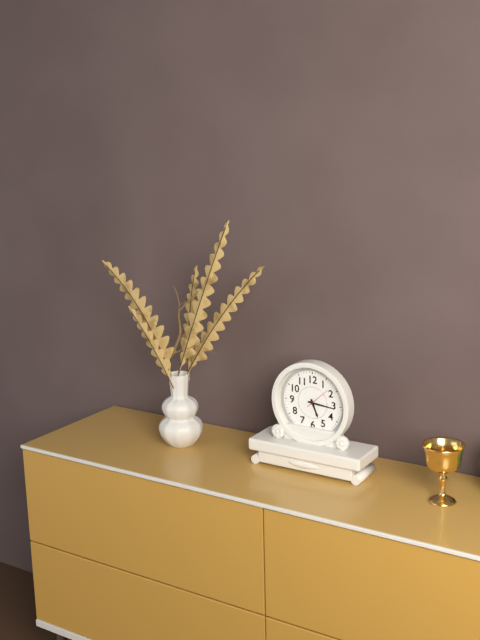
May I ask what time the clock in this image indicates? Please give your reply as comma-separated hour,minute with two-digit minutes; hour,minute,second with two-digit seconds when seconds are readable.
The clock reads 5,16
